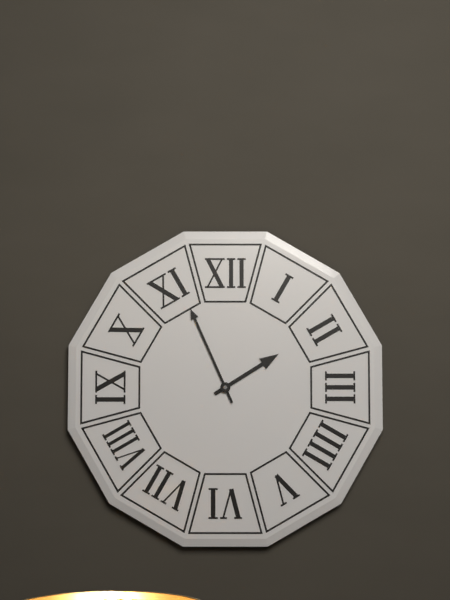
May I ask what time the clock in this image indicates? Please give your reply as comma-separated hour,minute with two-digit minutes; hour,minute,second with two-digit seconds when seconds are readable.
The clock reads 1,56
